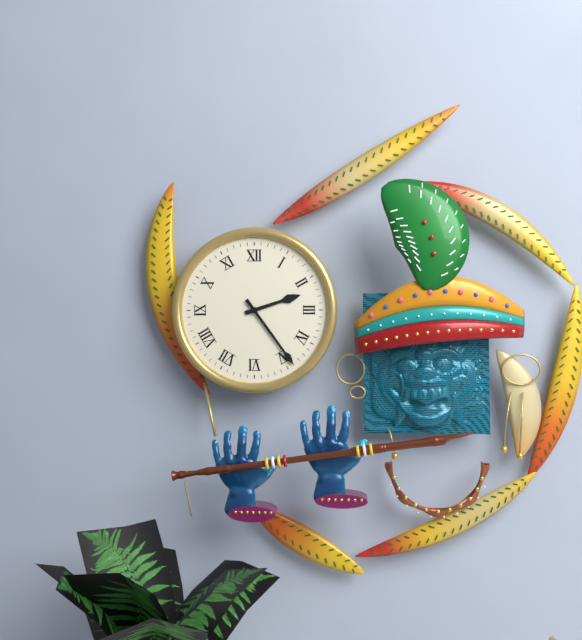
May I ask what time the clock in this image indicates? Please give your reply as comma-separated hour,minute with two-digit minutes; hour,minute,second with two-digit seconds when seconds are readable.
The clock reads 2,24
